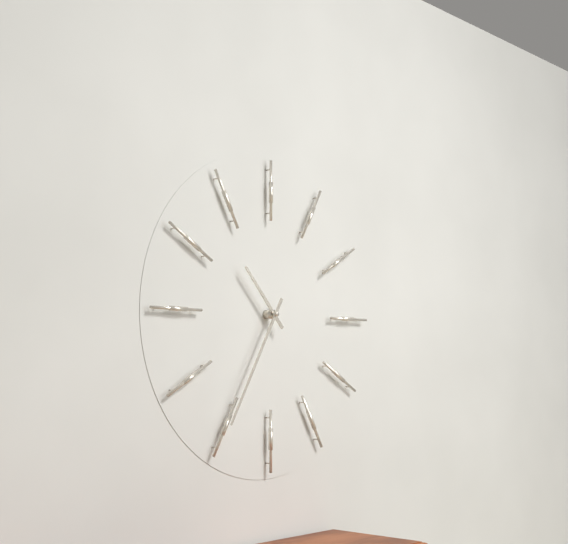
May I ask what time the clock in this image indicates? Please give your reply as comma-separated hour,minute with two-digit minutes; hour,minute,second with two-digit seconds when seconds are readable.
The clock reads 10,35
